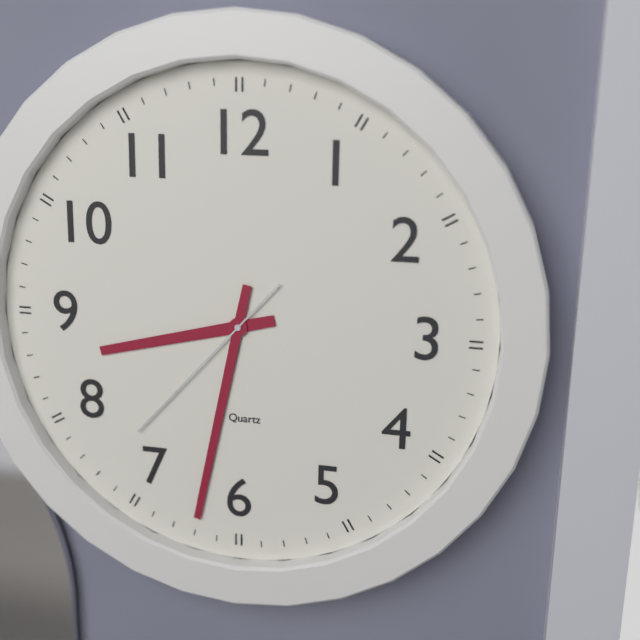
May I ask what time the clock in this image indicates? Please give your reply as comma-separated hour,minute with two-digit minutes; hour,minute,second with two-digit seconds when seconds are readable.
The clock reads 8,32,37
